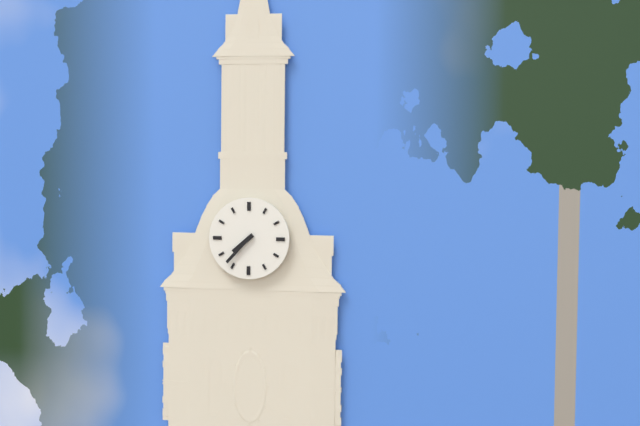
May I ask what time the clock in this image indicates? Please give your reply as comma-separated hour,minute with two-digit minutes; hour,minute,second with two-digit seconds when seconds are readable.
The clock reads 7,37
